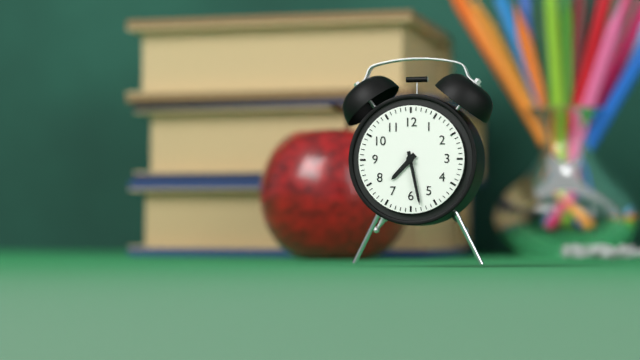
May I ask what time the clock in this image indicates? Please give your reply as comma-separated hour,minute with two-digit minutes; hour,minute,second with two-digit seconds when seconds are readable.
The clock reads 7,28
